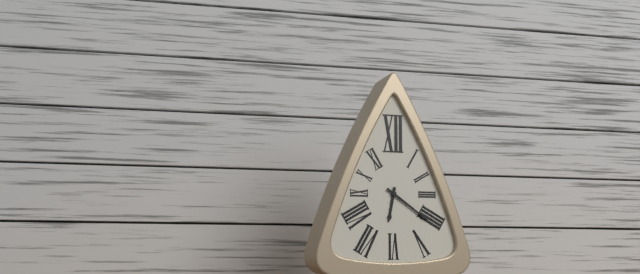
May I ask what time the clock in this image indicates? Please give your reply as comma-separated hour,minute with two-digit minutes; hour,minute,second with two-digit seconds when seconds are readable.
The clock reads 6,21
